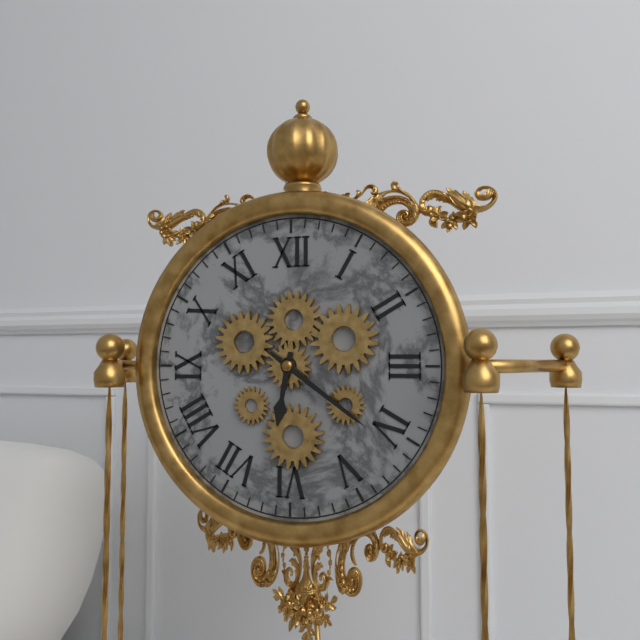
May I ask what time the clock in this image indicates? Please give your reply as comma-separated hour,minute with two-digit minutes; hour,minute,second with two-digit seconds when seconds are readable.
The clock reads 6,21
